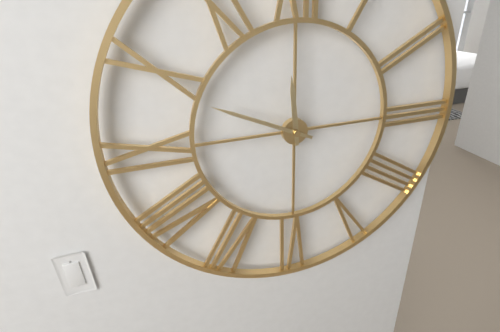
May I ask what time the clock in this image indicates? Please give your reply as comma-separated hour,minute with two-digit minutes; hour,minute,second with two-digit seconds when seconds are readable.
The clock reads 11,49
